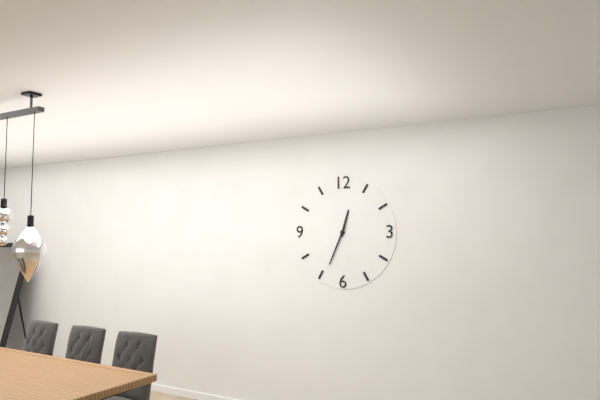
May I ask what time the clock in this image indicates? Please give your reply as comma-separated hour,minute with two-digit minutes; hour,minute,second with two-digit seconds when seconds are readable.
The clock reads 12,34
